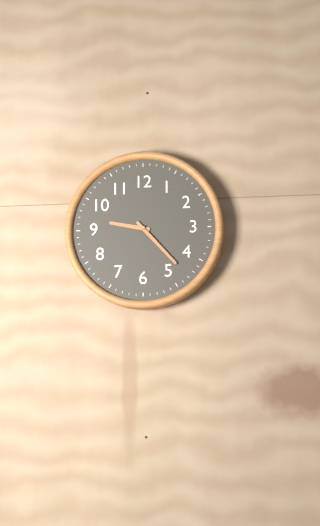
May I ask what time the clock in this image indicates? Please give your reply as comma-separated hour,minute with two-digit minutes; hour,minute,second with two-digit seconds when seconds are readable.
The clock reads 9,23
